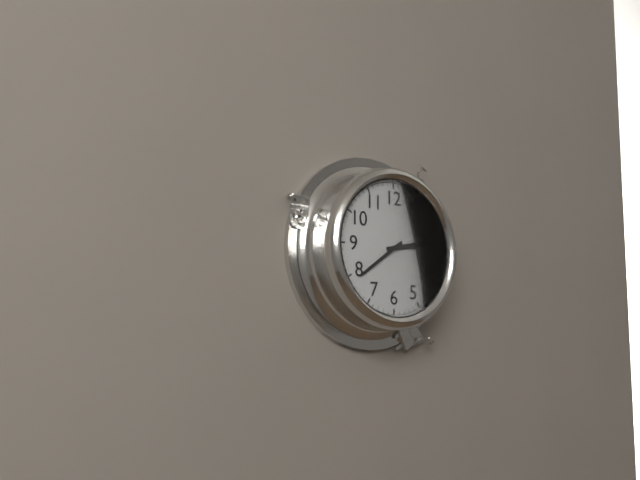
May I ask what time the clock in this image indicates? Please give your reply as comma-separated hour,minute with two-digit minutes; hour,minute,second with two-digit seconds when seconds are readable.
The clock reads 2,39
